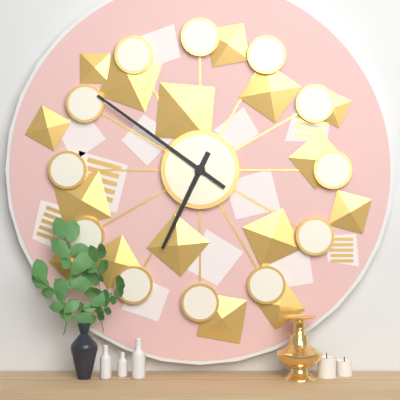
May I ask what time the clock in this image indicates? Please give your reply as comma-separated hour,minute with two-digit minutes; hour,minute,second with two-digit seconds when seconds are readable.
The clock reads 6,51
